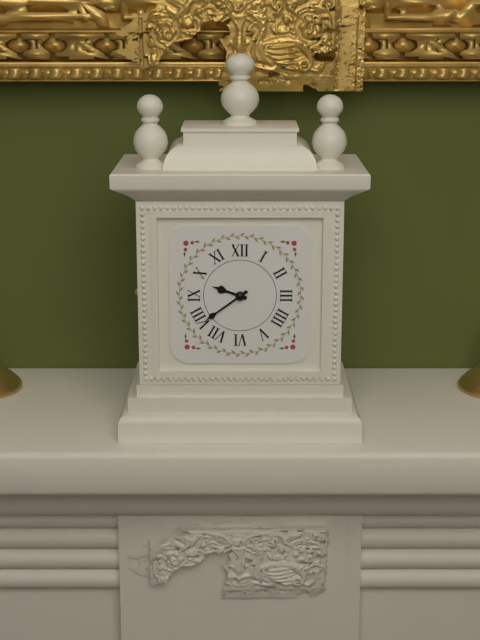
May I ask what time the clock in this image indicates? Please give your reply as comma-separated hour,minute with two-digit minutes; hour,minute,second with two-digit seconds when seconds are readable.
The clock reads 9,39
